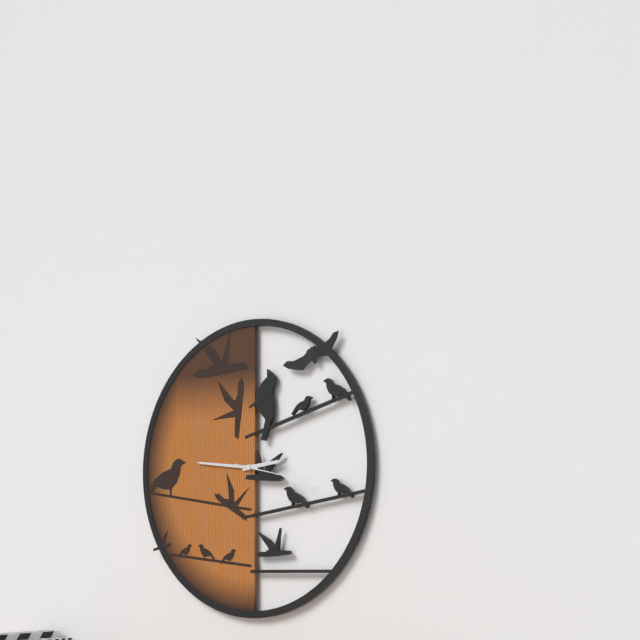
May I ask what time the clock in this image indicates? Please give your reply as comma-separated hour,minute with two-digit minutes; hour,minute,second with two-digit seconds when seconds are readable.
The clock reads 2,46,17
